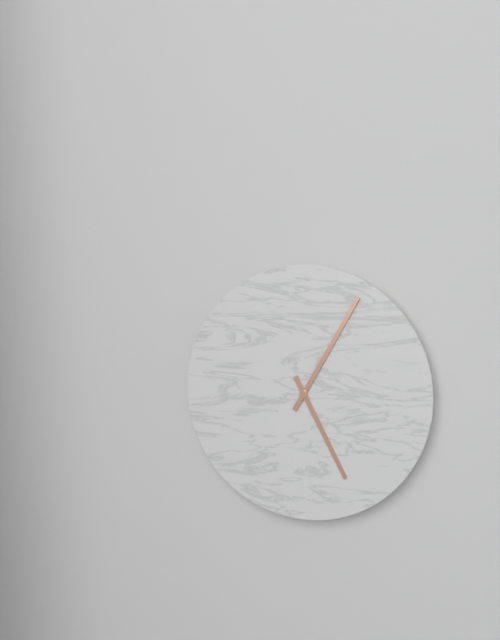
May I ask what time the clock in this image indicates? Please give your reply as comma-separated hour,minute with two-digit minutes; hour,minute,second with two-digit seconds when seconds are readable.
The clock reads 5,05
